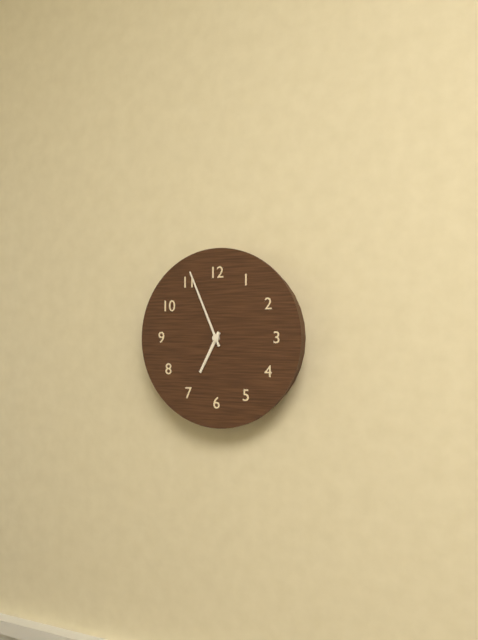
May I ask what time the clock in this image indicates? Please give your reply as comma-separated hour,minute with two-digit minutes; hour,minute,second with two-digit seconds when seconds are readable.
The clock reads 6,56
